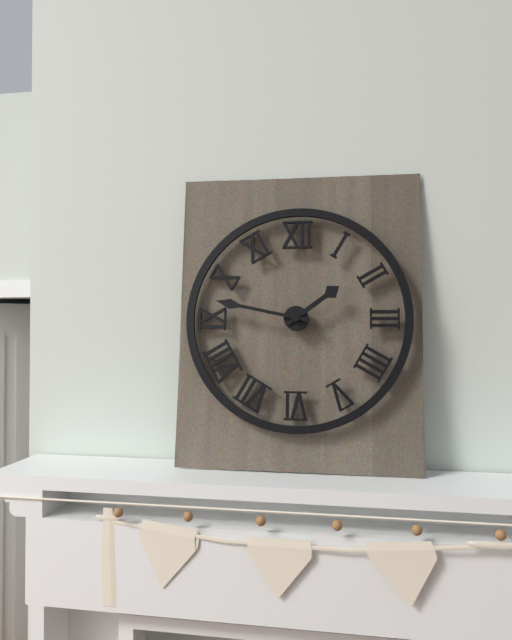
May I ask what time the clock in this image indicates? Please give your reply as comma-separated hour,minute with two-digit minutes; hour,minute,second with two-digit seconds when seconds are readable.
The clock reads 1,47
